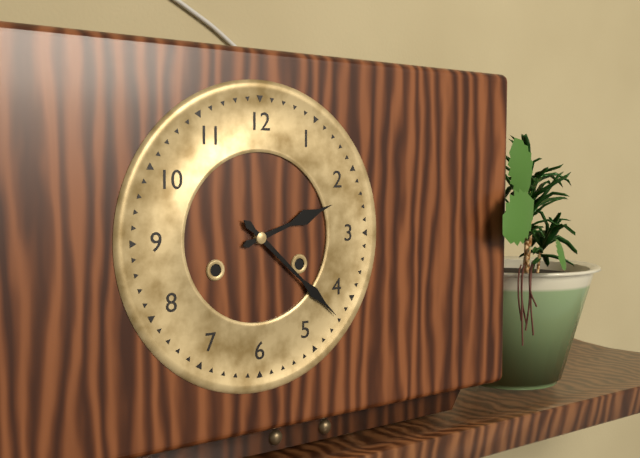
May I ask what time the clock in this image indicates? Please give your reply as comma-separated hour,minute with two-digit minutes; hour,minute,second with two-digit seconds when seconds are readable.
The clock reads 2,22
